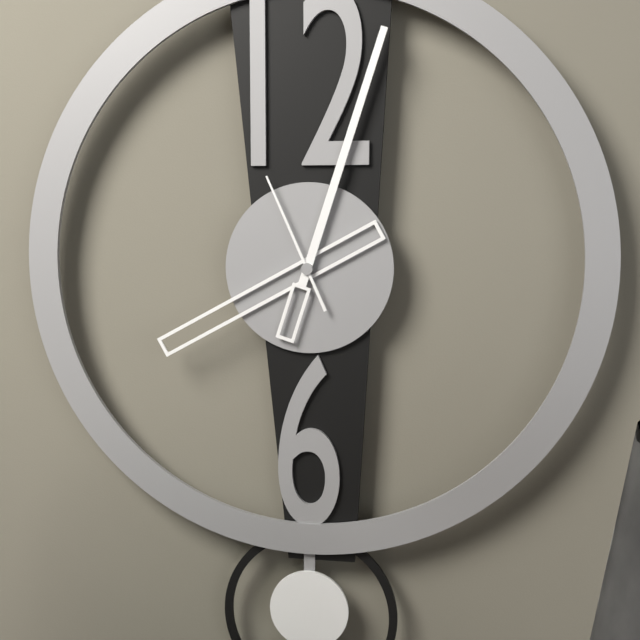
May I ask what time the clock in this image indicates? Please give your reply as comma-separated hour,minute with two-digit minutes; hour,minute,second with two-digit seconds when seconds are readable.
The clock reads 8,03,56
